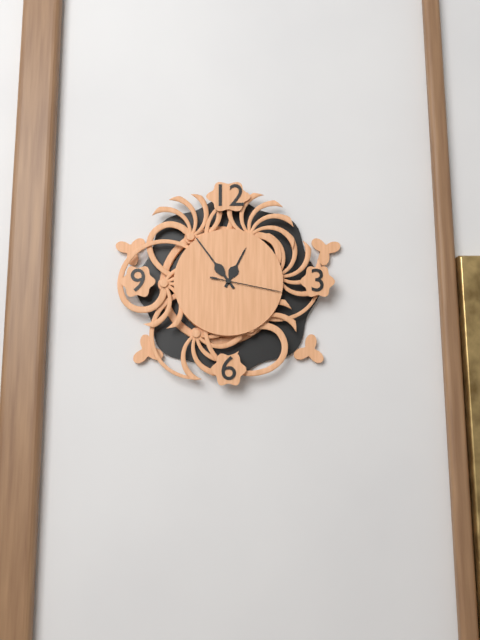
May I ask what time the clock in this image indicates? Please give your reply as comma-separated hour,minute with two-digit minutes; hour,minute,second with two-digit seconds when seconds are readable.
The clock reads 12,54,17
